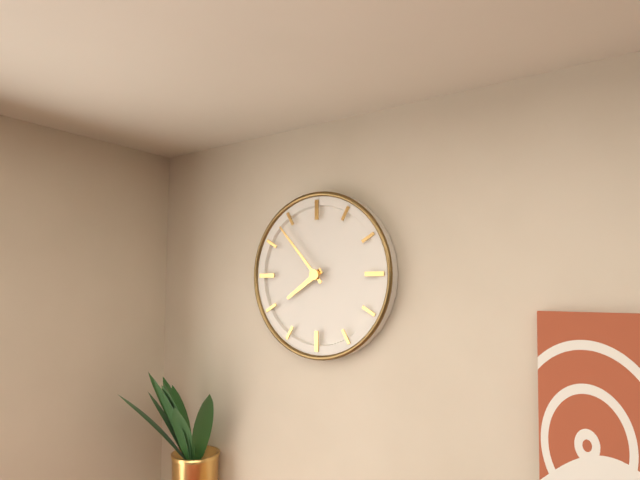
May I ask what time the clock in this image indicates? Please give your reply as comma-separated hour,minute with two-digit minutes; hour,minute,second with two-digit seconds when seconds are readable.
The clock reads 7,53
